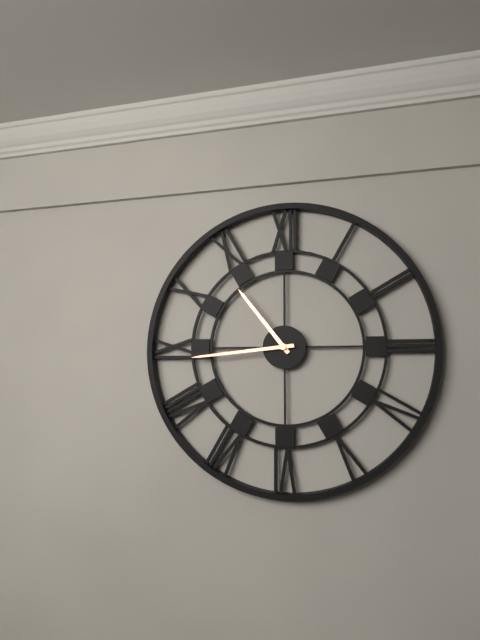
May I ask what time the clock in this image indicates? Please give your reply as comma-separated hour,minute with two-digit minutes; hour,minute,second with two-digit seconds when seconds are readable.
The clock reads 10,44
